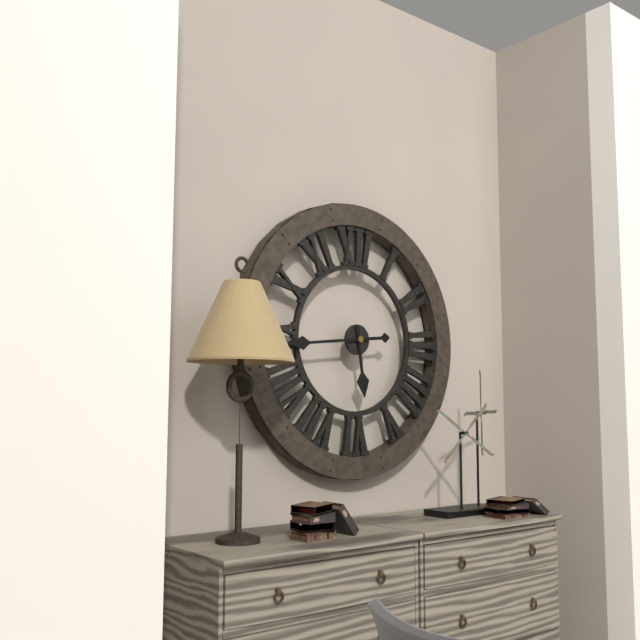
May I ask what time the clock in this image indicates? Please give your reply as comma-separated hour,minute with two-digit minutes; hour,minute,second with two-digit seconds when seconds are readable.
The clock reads 5,44
